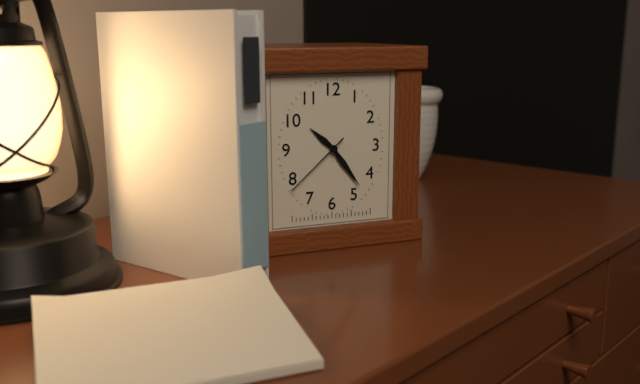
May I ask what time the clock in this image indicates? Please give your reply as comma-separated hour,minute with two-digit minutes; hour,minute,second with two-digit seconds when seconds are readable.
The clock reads 10,24,38
